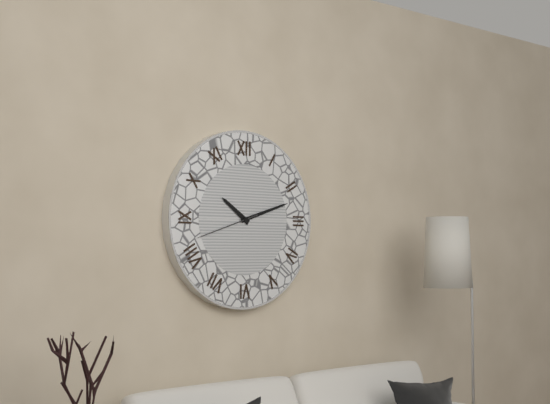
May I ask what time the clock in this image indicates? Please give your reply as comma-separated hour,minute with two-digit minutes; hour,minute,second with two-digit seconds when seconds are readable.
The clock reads 10,12,42
